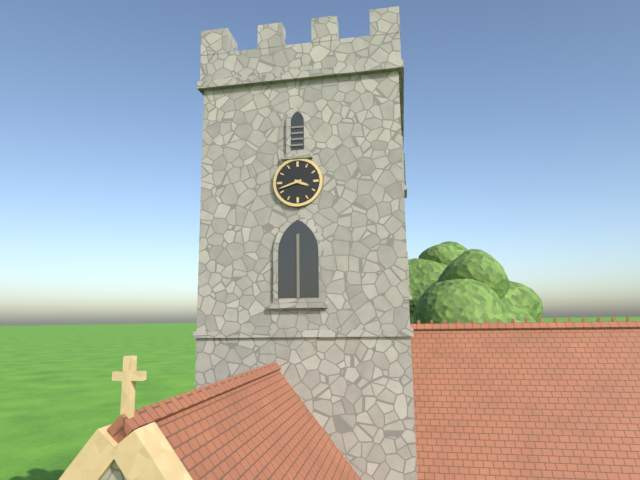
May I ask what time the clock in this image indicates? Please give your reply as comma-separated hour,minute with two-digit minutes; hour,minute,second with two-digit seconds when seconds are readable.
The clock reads 3,42
